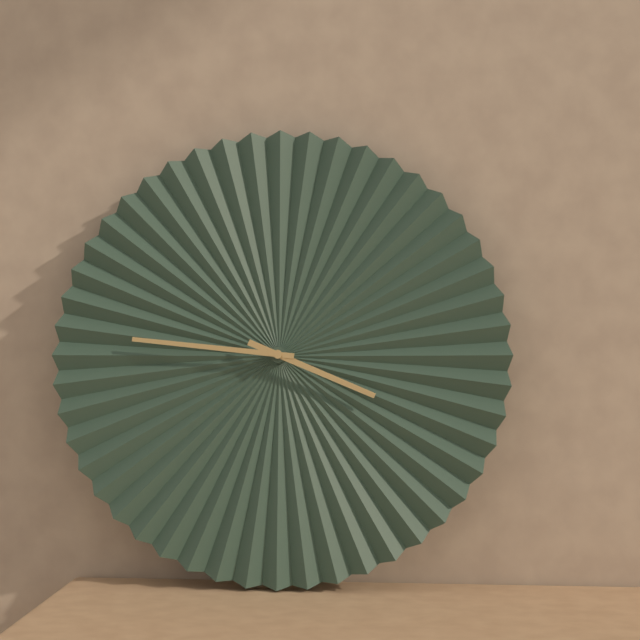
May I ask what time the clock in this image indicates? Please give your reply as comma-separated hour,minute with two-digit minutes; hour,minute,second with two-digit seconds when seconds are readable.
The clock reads 3,46
